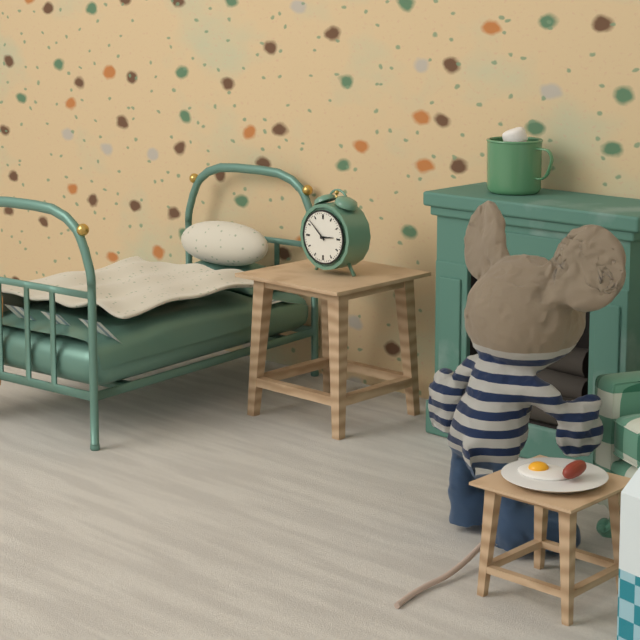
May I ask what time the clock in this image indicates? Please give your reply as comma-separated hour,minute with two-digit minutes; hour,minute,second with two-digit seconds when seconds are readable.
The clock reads 2,52
